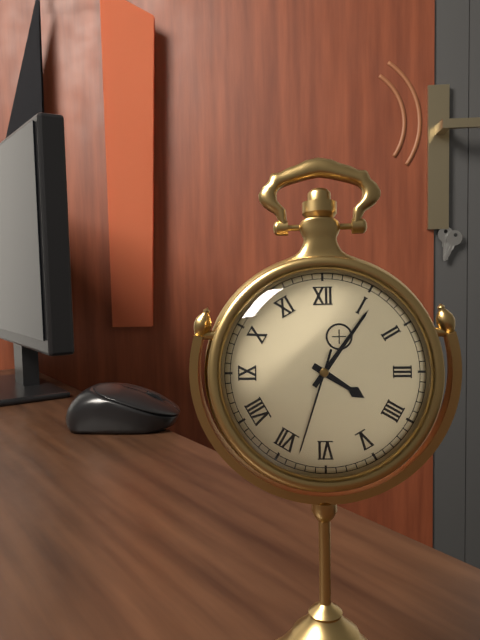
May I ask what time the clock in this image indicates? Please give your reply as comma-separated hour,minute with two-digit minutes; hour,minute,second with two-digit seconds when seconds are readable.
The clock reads 4,06,33
